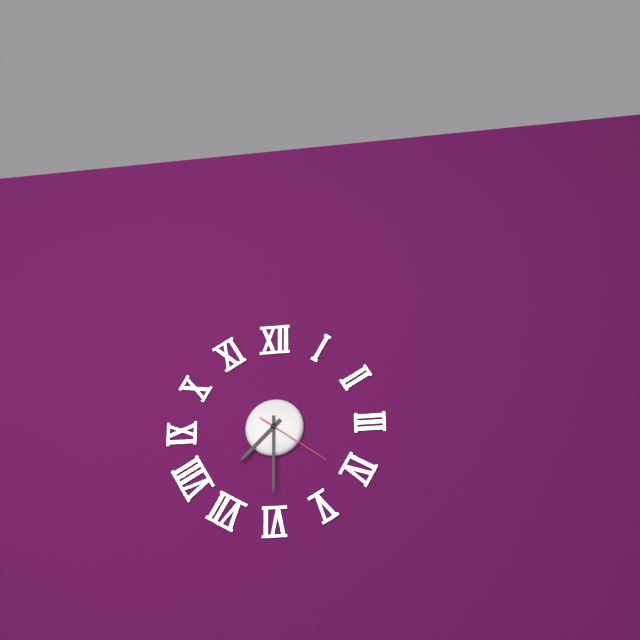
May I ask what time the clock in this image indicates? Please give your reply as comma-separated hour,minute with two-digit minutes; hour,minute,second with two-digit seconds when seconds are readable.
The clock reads 7,30,21
